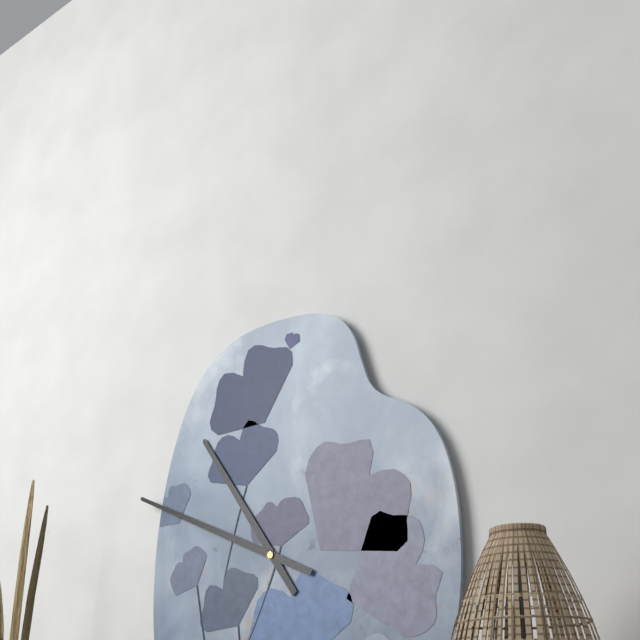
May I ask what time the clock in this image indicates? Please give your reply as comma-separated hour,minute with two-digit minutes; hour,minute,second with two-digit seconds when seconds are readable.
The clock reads 10,49
